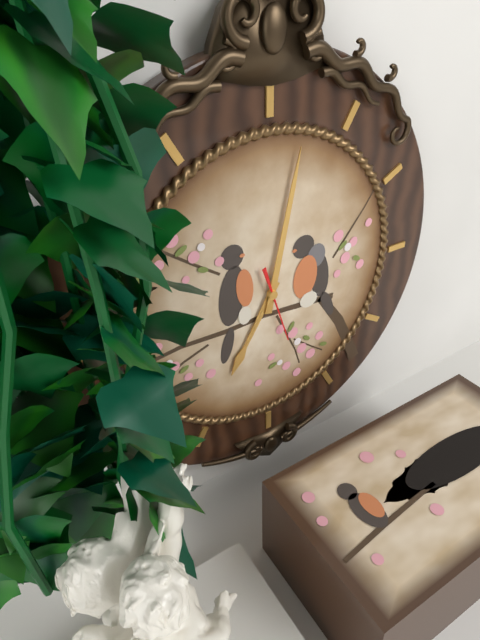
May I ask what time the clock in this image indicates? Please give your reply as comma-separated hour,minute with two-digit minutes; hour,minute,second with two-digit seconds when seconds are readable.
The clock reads 7,02,27
